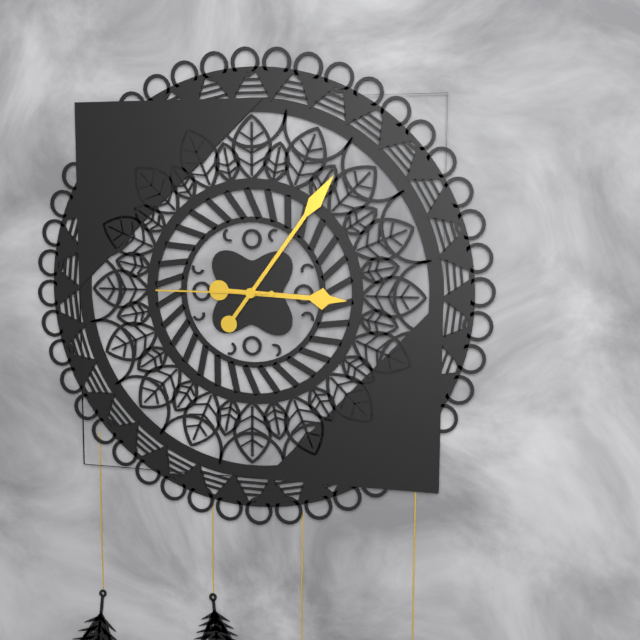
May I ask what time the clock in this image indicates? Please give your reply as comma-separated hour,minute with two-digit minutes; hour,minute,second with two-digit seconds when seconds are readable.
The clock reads 3,06,45
